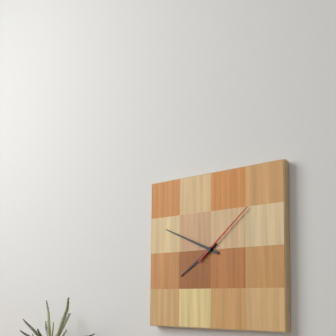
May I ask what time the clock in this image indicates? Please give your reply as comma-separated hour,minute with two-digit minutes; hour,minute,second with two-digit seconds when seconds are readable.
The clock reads 7,49,08
